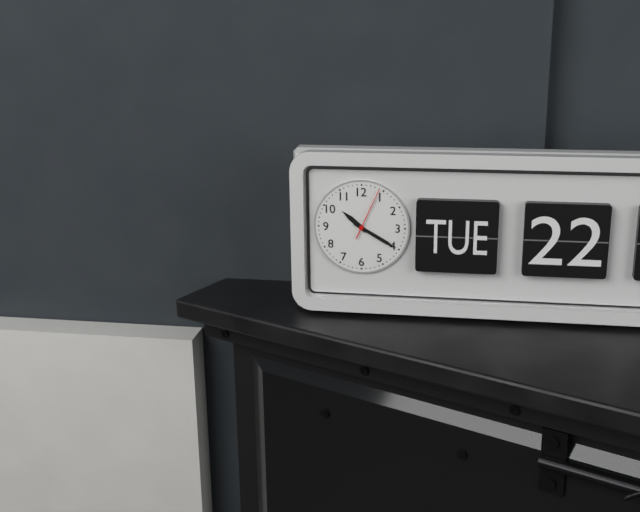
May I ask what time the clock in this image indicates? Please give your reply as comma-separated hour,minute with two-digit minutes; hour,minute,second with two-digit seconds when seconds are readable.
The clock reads 10,20,04
